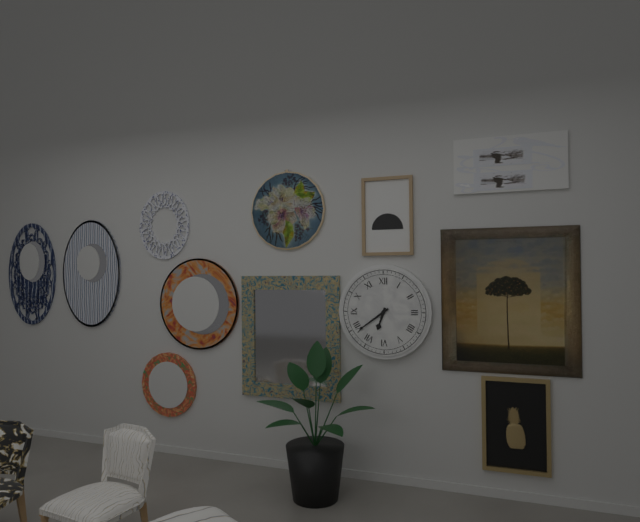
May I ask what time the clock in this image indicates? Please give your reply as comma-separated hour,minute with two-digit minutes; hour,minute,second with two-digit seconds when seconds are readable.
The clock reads 6,39
